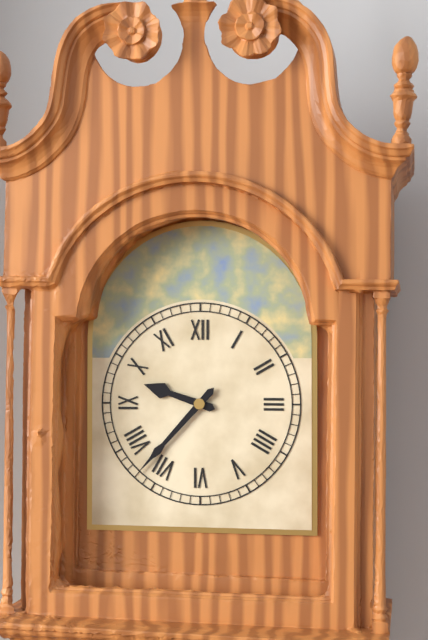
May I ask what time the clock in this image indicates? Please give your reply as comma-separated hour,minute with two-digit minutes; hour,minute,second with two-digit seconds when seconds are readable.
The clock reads 9,37
